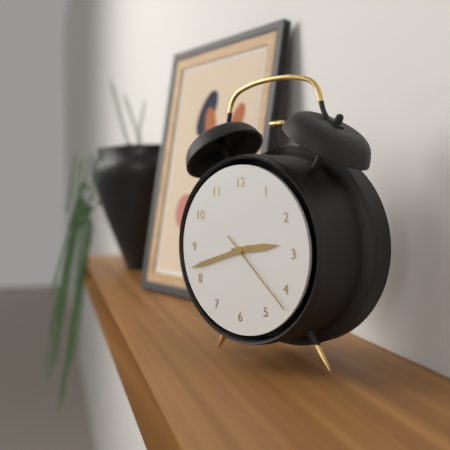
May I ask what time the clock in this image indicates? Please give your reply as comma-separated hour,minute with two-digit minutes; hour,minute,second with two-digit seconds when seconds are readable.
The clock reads 2,42,22
